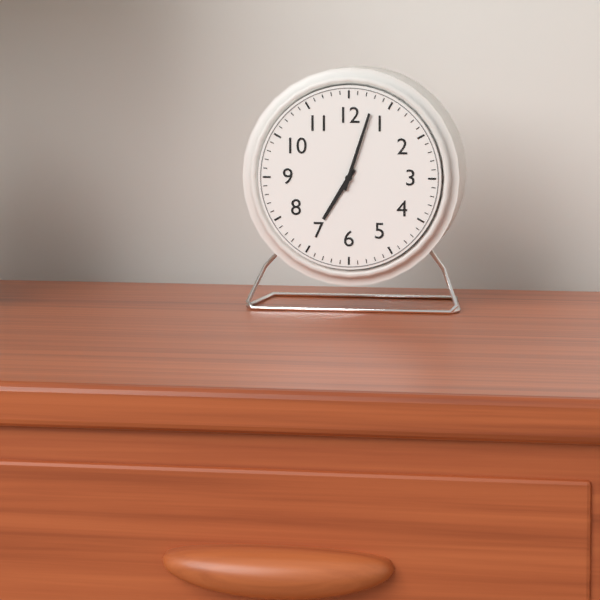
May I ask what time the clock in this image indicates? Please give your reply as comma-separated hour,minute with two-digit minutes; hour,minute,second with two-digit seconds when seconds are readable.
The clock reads 7,03
